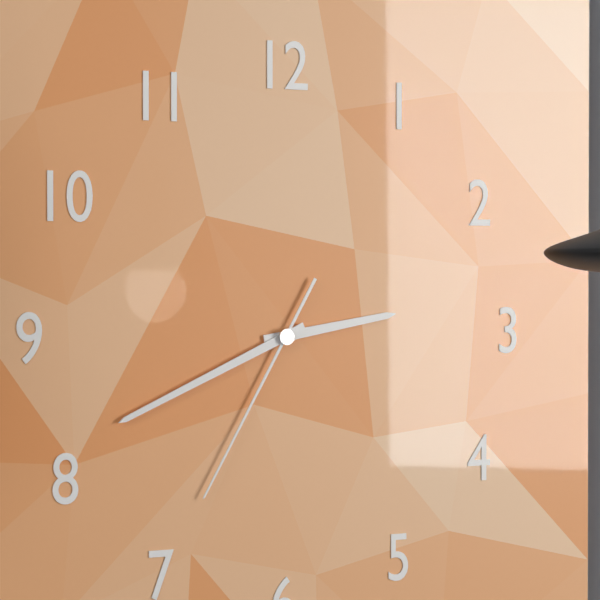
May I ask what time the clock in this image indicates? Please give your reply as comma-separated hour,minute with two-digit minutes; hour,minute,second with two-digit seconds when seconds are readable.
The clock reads 2,41,35
